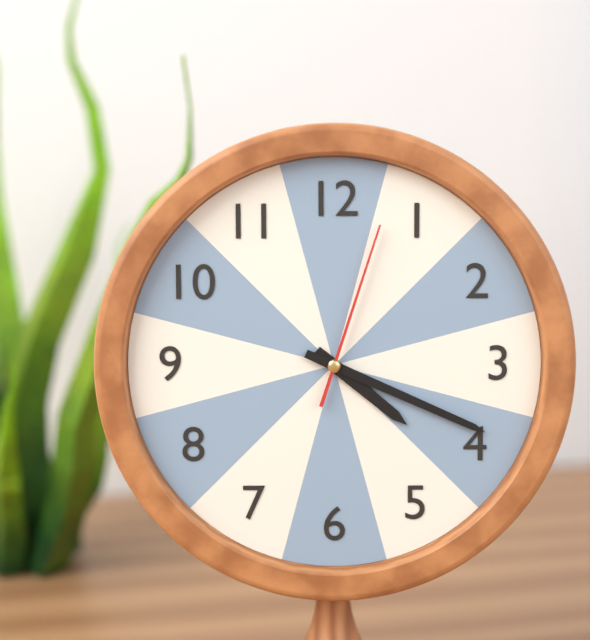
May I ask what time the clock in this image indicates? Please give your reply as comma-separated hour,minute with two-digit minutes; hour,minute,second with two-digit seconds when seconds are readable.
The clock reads 4,19,03
